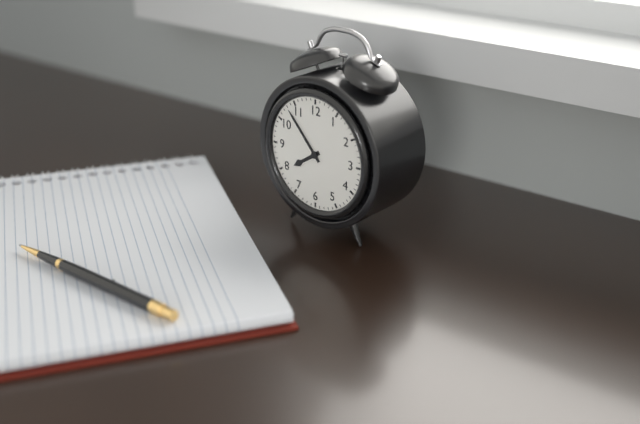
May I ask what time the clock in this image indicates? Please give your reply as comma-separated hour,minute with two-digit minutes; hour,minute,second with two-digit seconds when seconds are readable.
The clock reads 7,53
